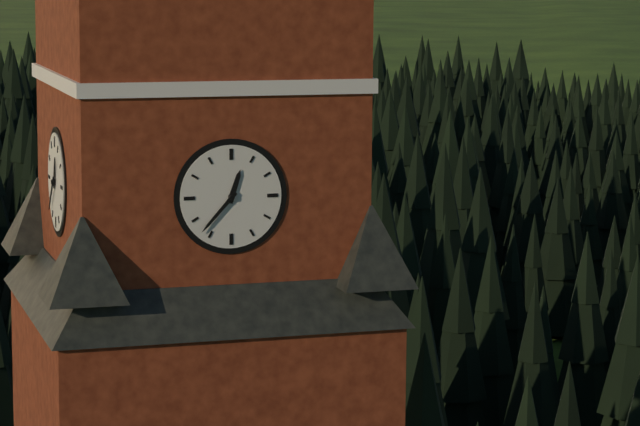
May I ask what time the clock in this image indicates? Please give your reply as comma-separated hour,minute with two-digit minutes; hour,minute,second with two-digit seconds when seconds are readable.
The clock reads 12,37
